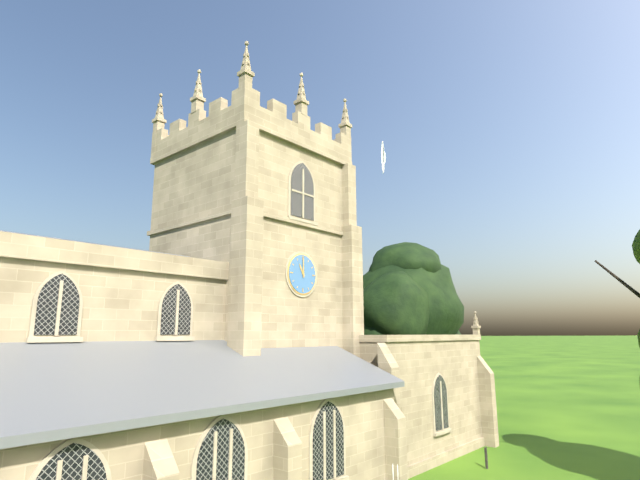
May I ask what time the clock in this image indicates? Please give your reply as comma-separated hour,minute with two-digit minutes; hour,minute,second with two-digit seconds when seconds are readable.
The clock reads 11,00
